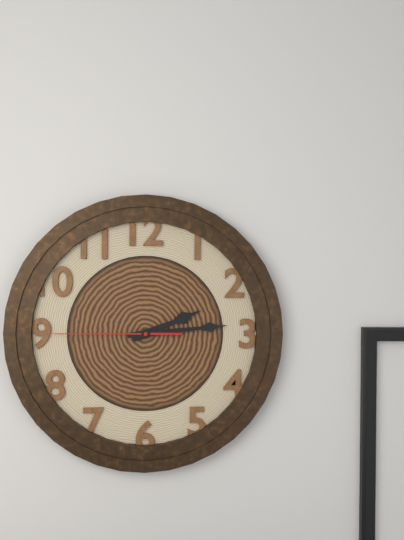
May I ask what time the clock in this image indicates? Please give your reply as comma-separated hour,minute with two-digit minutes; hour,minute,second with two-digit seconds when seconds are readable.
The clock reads 2,14,45
